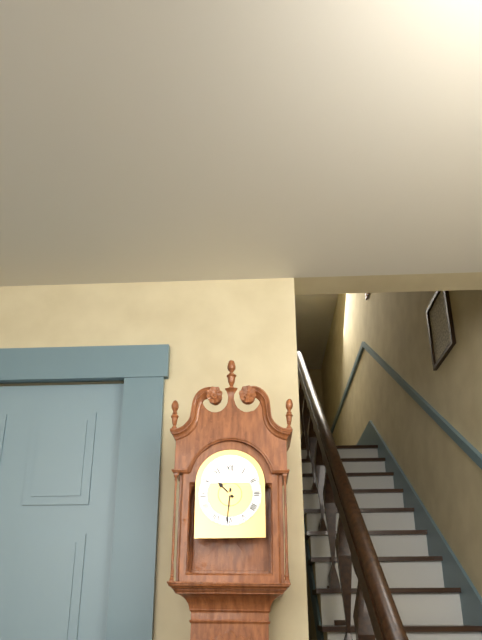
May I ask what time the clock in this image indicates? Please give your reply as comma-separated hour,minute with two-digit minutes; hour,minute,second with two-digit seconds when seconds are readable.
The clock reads 10,31
